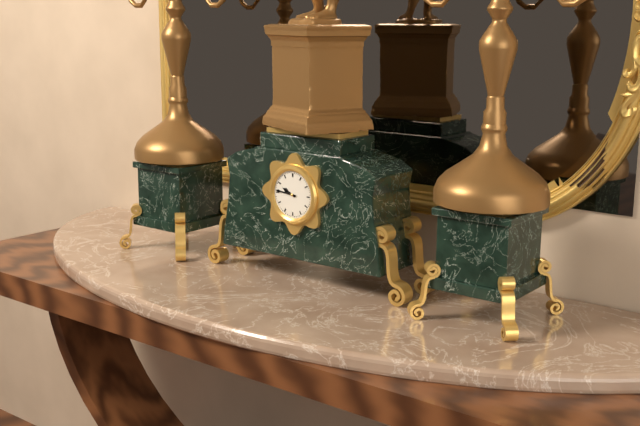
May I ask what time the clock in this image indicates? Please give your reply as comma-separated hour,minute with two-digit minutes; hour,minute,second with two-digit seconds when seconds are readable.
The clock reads 9,46
